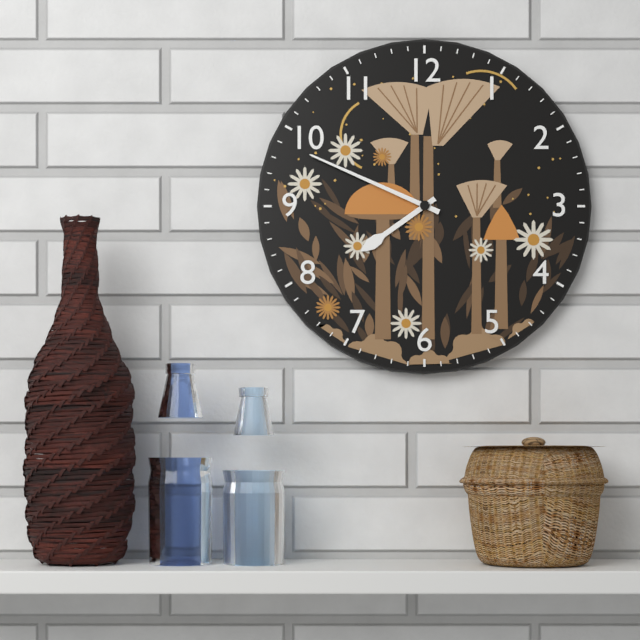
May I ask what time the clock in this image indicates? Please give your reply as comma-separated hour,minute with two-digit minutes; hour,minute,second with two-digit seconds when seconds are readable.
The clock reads 7,49
